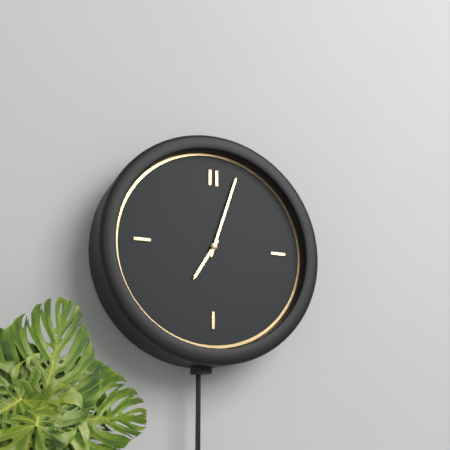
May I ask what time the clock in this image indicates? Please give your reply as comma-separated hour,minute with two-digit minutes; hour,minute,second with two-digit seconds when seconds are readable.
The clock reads 7,03
